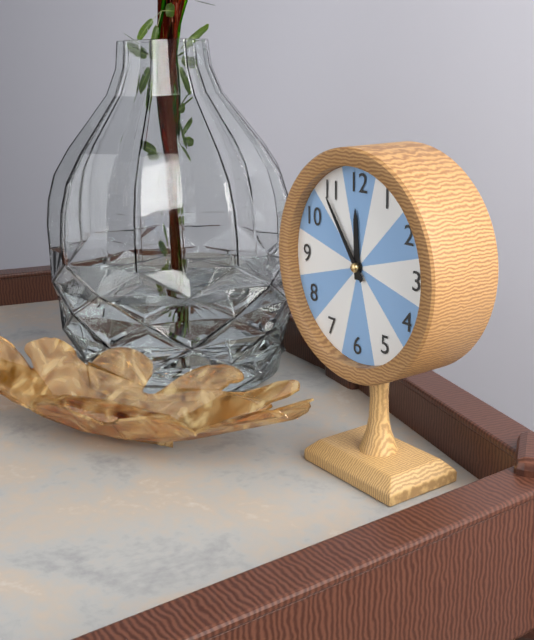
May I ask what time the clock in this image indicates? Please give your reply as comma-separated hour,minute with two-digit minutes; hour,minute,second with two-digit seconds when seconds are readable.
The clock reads 11,54
